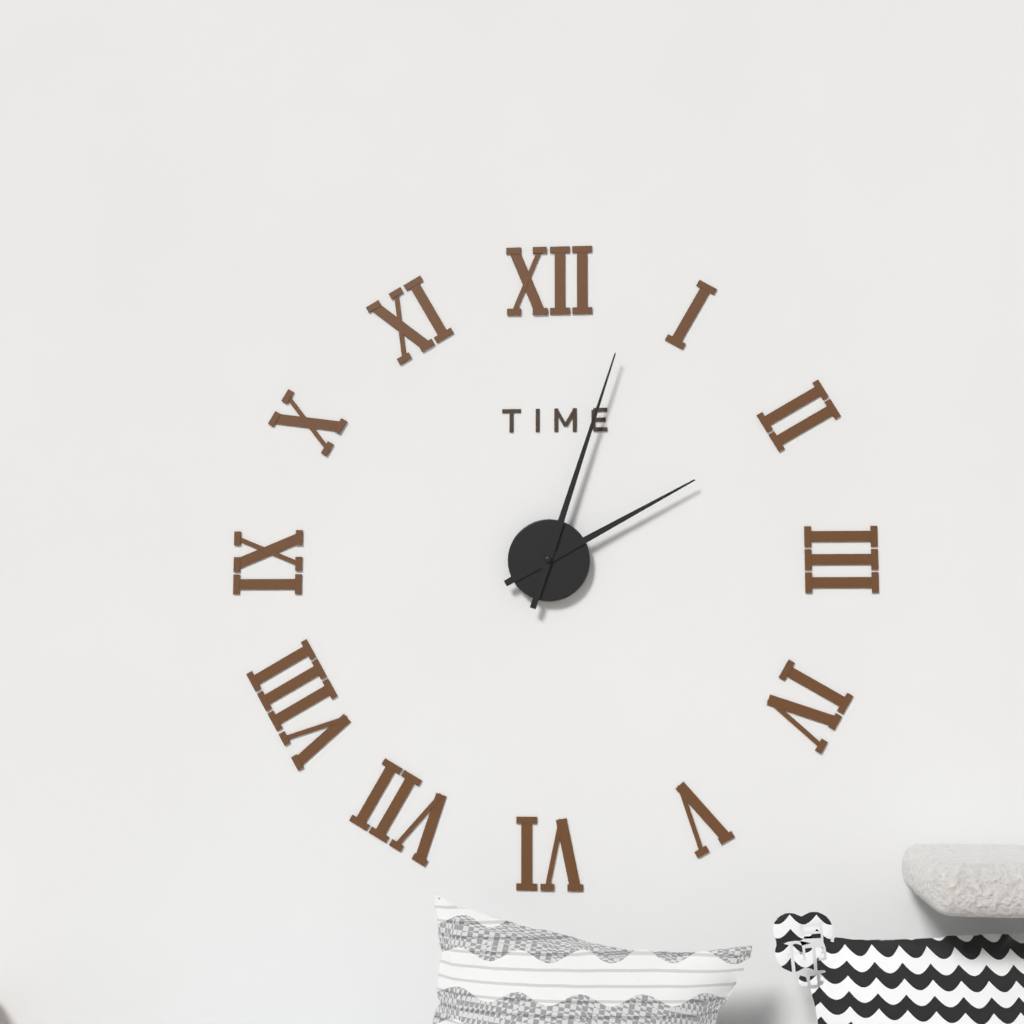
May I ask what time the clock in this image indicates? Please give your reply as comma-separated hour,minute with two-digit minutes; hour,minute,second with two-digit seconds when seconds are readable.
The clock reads 2,03
